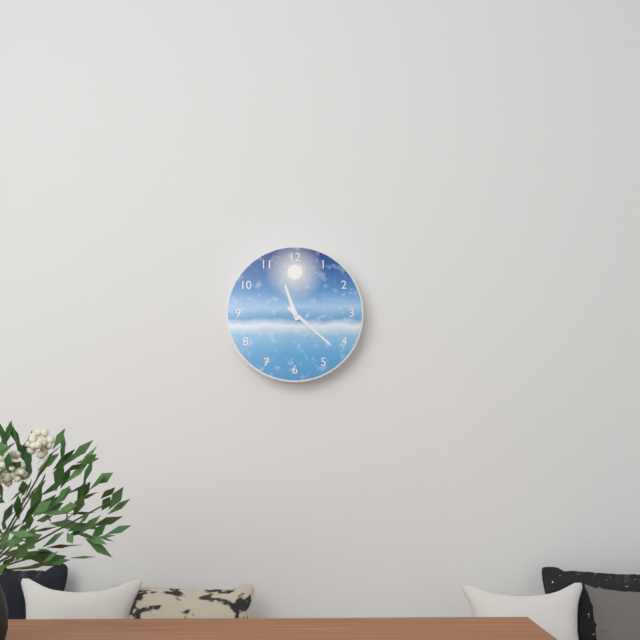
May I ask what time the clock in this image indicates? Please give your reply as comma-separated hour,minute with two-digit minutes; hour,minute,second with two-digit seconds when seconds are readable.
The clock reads 11,22
